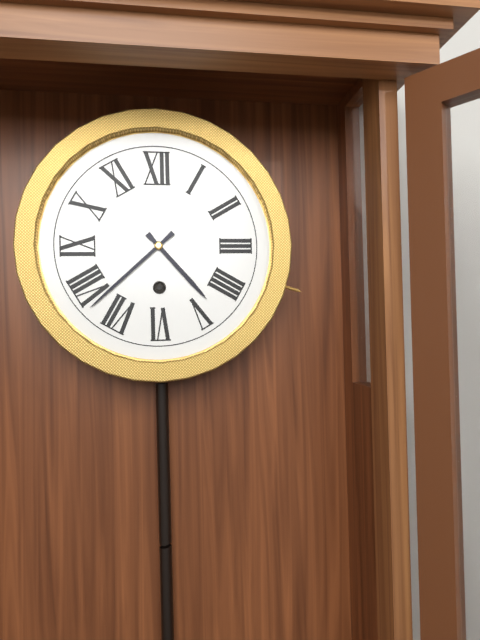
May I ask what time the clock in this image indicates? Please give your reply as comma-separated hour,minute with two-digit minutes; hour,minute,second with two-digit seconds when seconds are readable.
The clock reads 4,38
